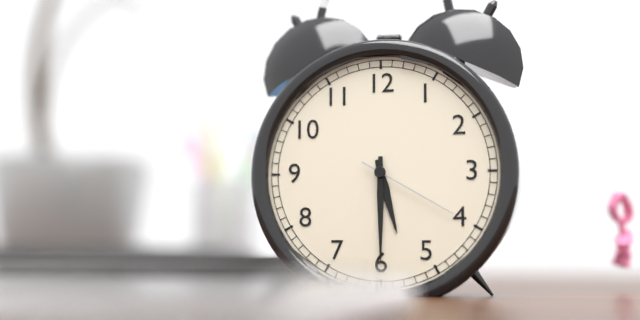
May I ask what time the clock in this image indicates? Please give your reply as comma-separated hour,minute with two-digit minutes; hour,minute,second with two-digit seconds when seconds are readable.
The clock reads 5,30,20
